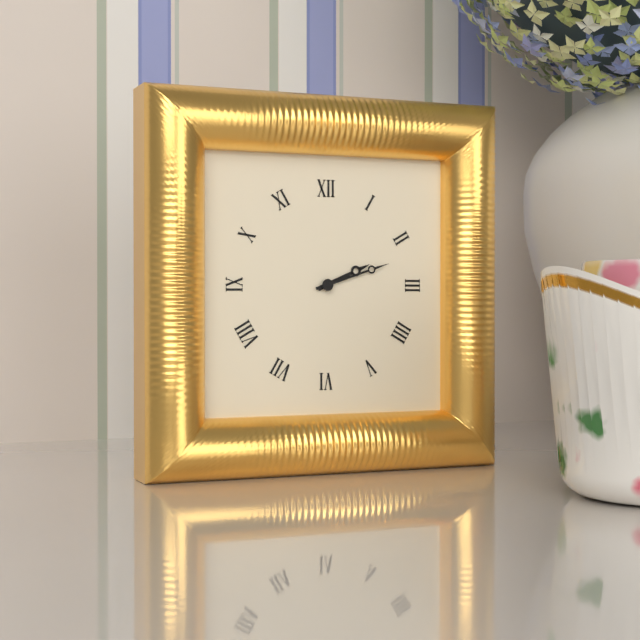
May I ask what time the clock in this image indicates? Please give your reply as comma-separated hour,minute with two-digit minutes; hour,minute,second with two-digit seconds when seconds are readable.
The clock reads 2,12
